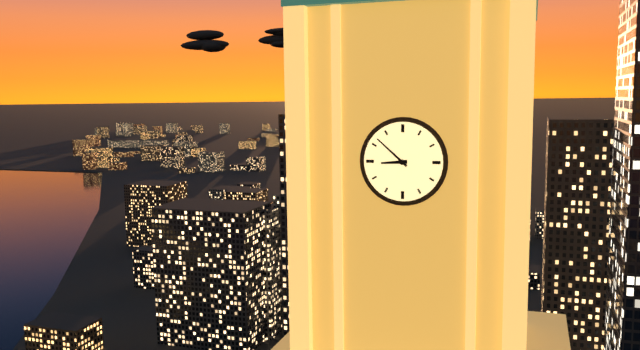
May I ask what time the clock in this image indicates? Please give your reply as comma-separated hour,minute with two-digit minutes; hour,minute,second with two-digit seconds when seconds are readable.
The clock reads 8,52
